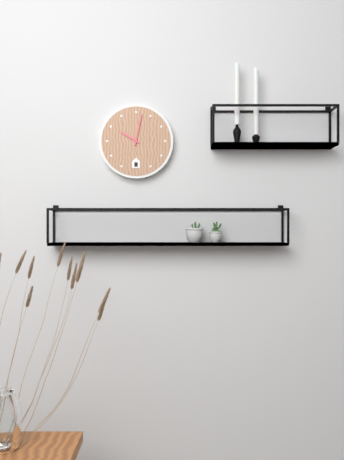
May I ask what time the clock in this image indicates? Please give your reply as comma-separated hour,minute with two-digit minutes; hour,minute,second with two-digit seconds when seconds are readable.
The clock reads 10,02
